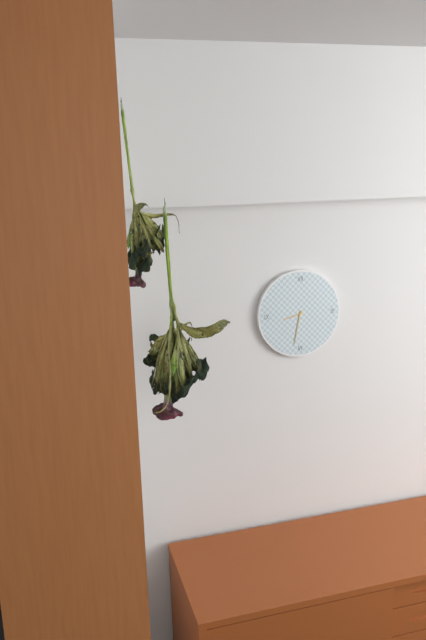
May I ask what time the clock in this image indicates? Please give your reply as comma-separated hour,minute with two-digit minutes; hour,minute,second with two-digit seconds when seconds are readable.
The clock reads 8,32
